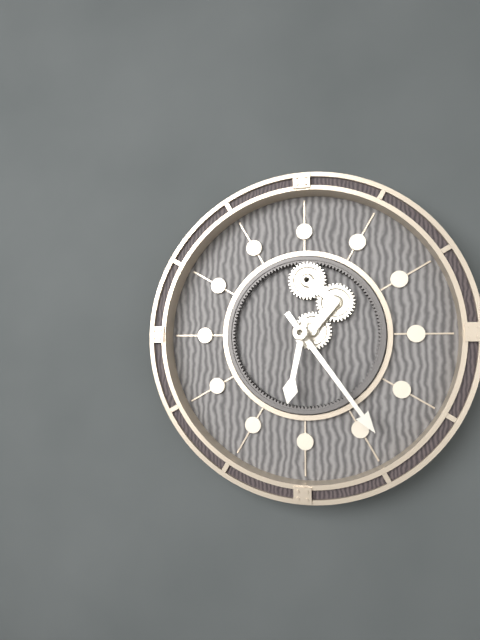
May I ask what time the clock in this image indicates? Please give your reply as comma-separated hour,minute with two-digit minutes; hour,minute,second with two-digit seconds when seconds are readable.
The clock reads 6,24
